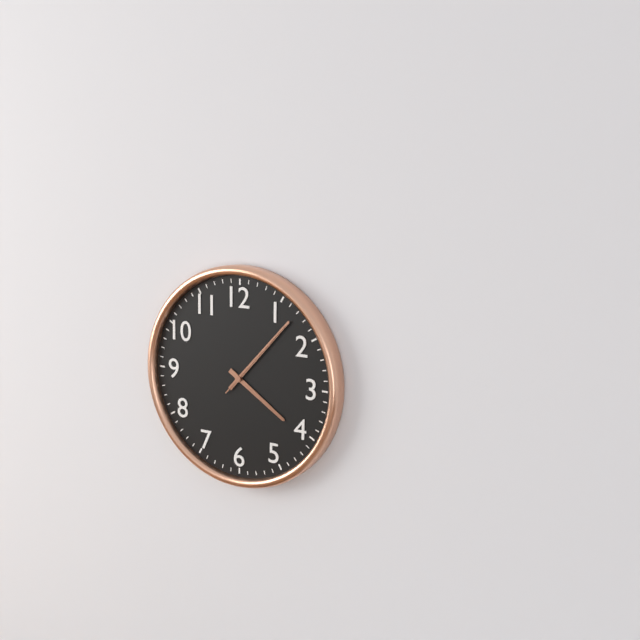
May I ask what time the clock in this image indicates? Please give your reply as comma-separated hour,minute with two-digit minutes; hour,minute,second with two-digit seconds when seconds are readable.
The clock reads 4,07,07
